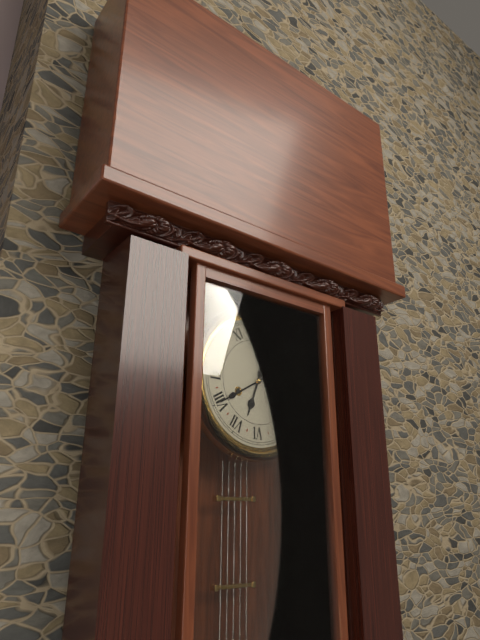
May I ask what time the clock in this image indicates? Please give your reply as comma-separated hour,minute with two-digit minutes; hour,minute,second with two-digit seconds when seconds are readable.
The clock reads 6,40
